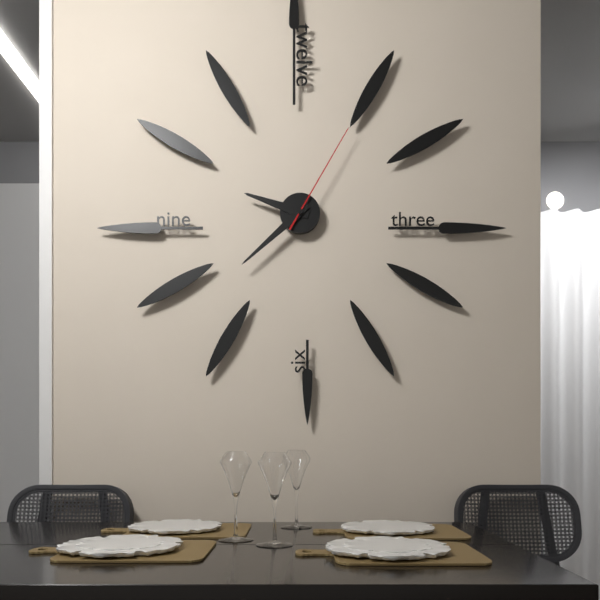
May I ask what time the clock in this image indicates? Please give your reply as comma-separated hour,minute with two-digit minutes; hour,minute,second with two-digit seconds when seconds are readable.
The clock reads 9,38,05
